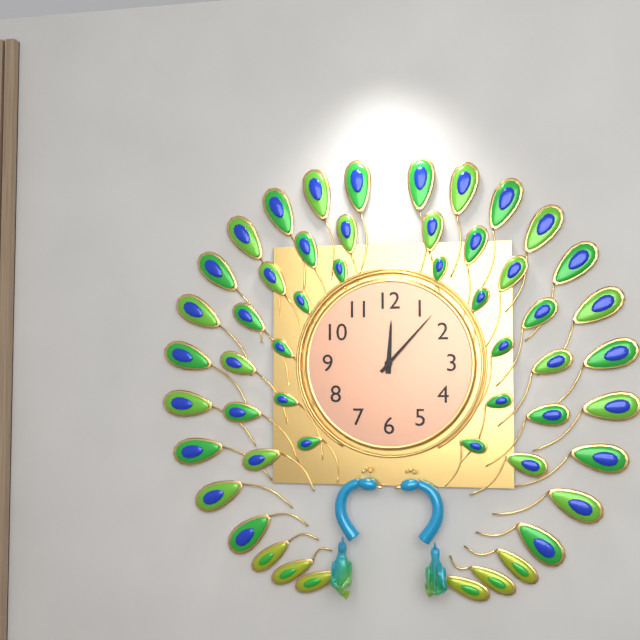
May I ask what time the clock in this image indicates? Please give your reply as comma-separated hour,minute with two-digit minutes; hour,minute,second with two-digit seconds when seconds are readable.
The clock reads 12,07
